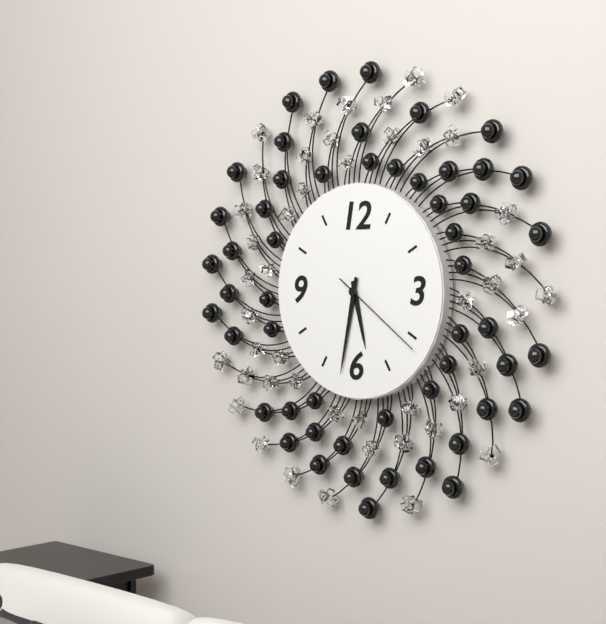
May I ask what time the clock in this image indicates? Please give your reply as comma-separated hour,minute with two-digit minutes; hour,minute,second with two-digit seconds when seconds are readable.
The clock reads 5,32,21
